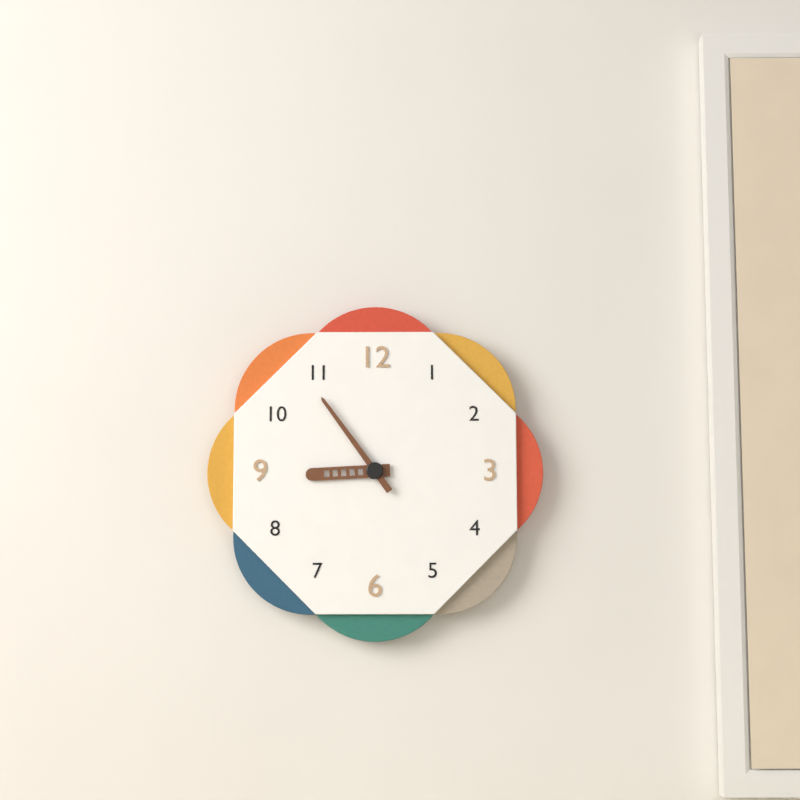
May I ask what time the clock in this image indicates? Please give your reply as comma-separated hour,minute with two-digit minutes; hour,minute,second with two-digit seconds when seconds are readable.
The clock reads 8,54
